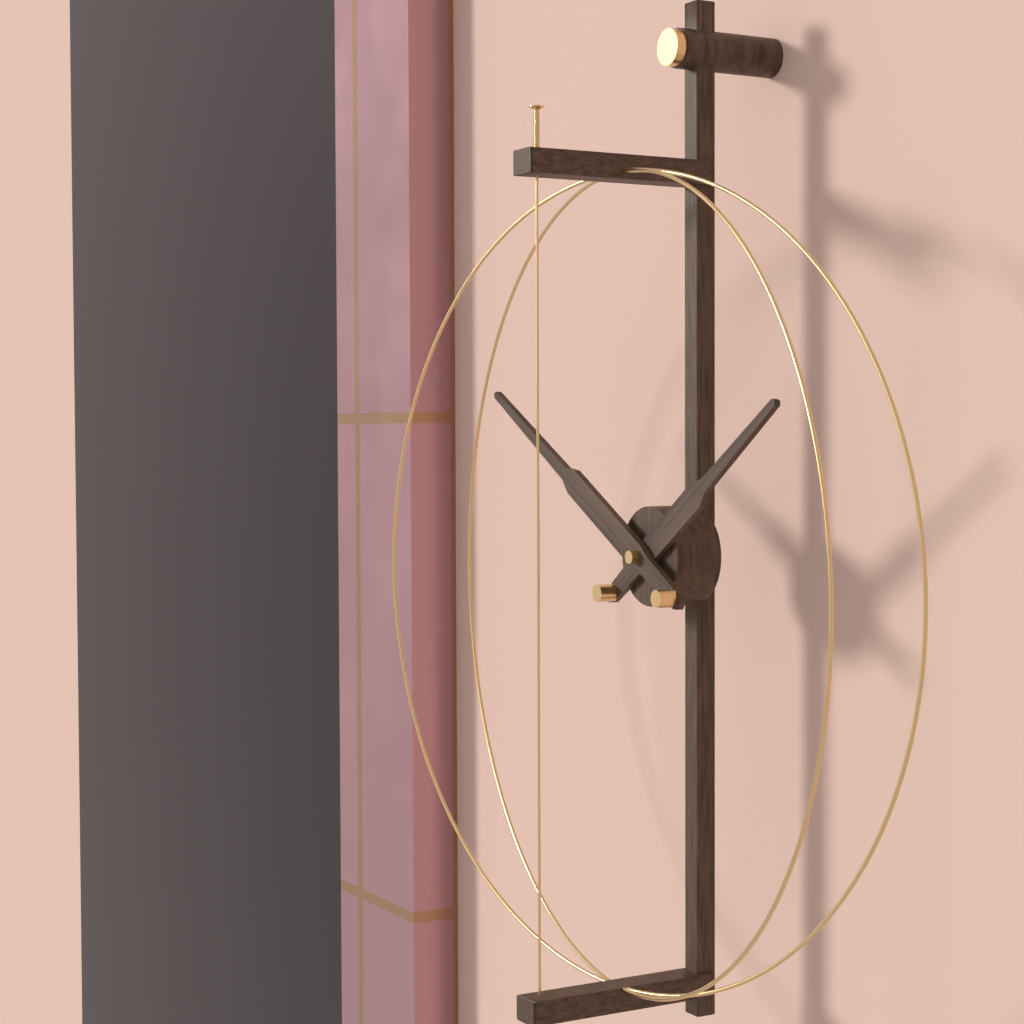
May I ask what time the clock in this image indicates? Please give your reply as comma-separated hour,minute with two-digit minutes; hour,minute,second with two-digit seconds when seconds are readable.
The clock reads 1,50
